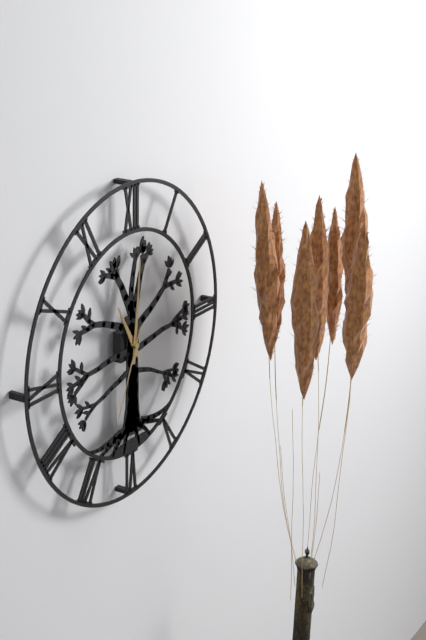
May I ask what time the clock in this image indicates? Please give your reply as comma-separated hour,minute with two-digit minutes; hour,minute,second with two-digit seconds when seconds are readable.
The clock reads 11,01,34
